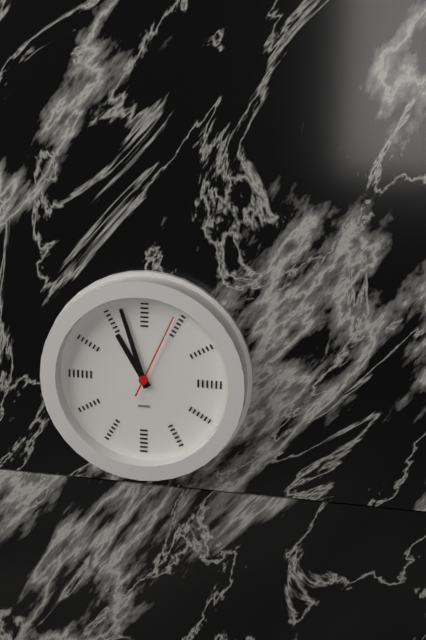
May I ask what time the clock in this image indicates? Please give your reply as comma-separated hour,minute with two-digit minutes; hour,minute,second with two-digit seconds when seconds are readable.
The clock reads 10,57,04
